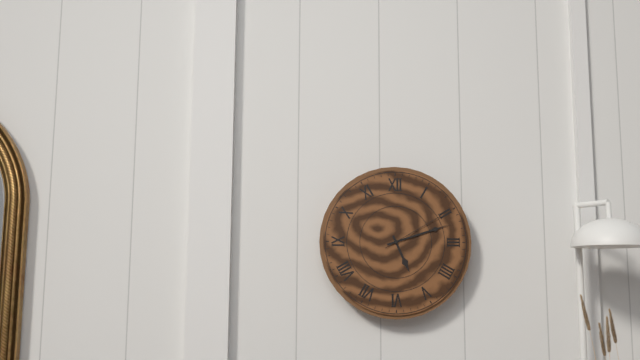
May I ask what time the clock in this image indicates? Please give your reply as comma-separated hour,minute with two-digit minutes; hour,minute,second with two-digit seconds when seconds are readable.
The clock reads 5,12,10
